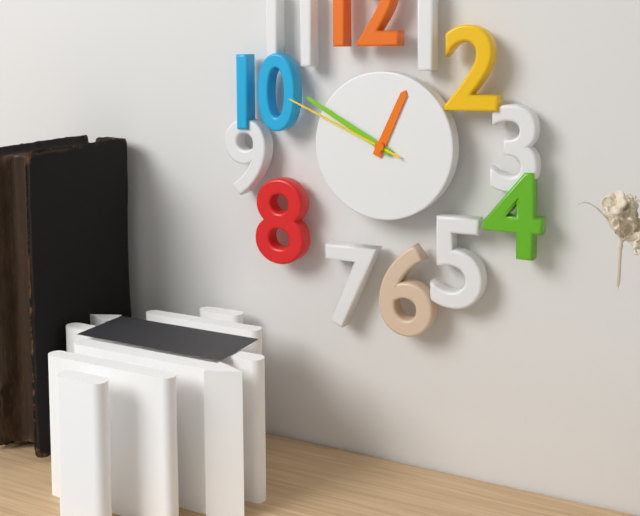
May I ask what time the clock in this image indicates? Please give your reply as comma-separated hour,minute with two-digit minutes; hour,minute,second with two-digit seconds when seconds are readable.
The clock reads 12,50,49
